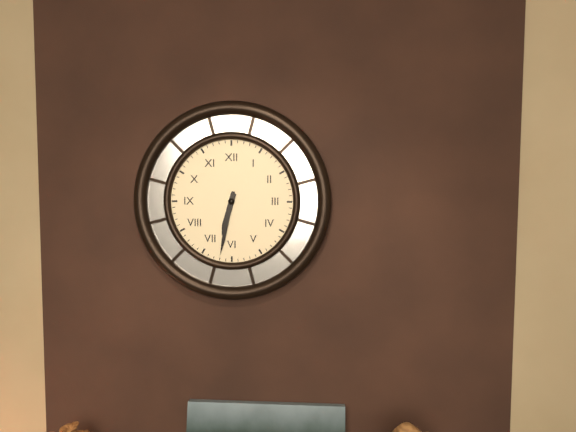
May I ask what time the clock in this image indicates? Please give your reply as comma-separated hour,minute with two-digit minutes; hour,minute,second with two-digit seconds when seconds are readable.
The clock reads 6,32
